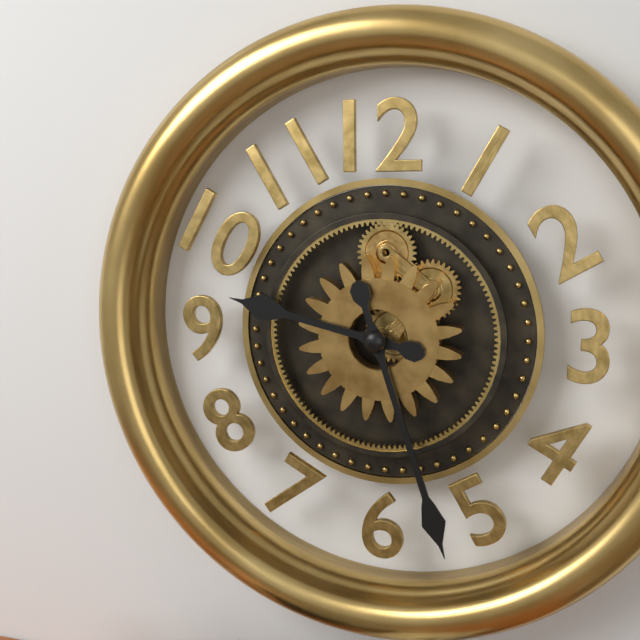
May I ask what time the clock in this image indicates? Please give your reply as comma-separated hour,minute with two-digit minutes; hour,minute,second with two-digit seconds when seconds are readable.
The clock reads 9,27
